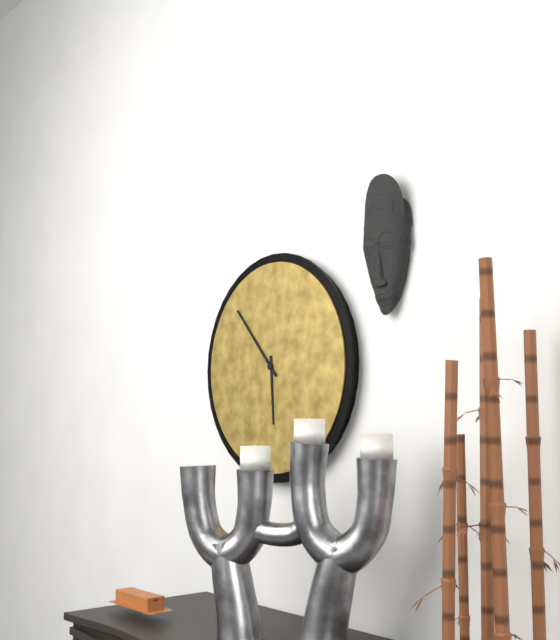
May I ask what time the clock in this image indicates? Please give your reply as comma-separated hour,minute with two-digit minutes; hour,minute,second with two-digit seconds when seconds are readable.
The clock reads 5,53
